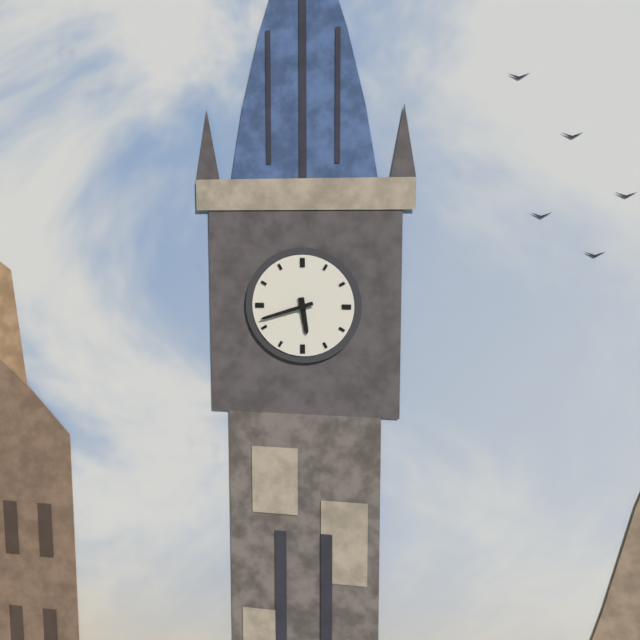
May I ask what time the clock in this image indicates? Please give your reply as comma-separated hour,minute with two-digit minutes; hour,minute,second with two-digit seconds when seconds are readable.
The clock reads 5,42
